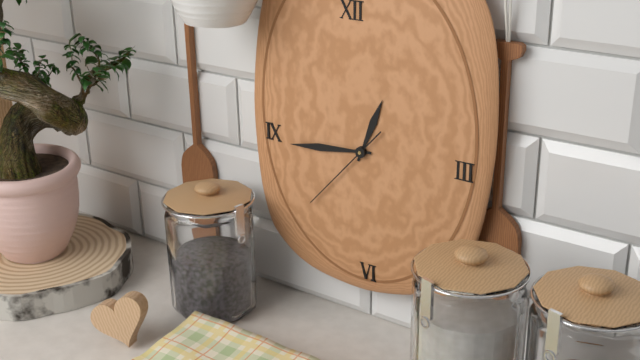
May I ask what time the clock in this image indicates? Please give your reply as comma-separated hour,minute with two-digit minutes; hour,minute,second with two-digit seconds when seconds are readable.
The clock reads 12,44,37
